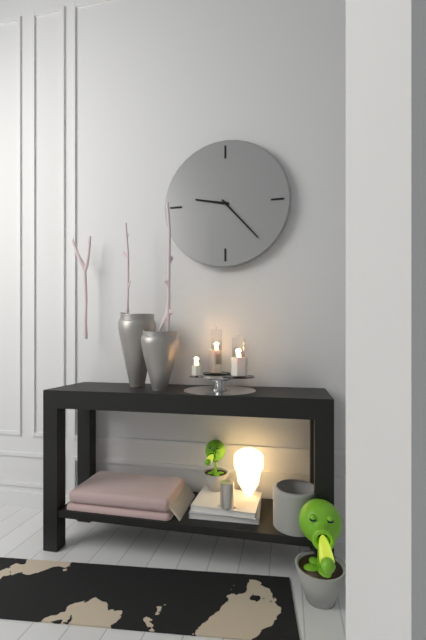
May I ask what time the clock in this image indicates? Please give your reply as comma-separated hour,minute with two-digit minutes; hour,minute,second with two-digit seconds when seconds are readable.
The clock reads 9,23
